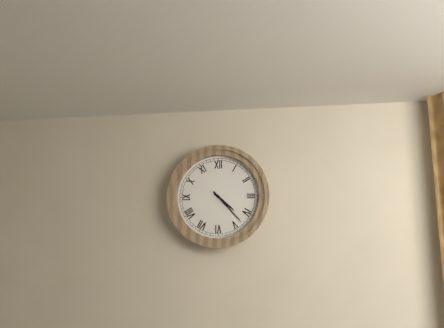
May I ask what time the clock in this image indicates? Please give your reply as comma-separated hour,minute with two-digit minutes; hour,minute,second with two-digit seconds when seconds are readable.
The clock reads 4,23
